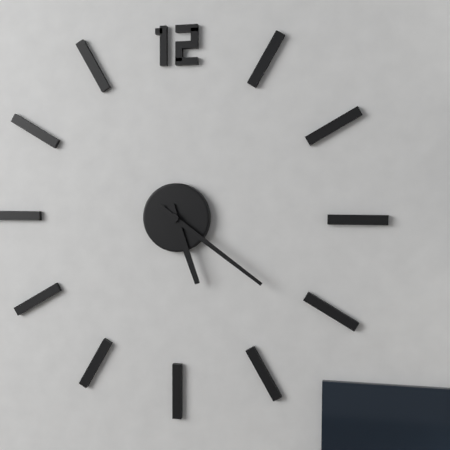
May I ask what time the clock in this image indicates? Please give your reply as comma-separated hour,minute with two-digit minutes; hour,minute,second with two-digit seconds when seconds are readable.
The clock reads 5,21
